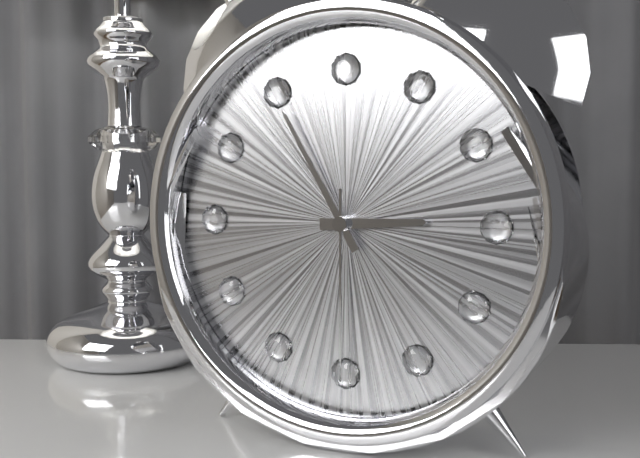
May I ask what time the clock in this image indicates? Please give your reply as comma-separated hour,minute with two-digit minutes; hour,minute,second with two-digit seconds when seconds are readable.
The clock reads 2,55,30
